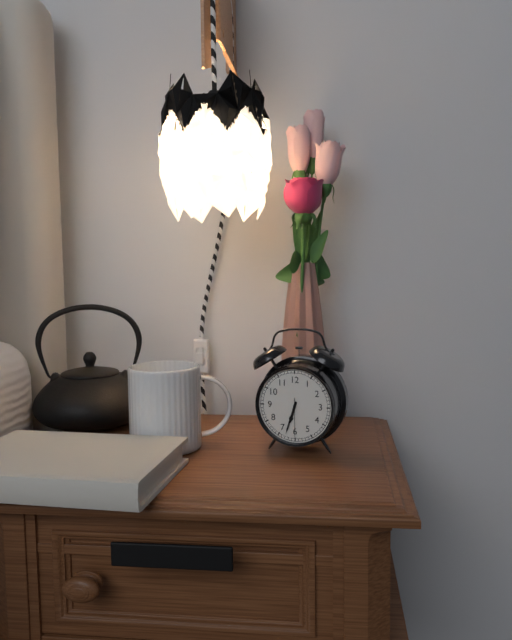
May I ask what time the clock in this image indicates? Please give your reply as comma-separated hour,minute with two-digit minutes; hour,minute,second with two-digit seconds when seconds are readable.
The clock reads 6,33
